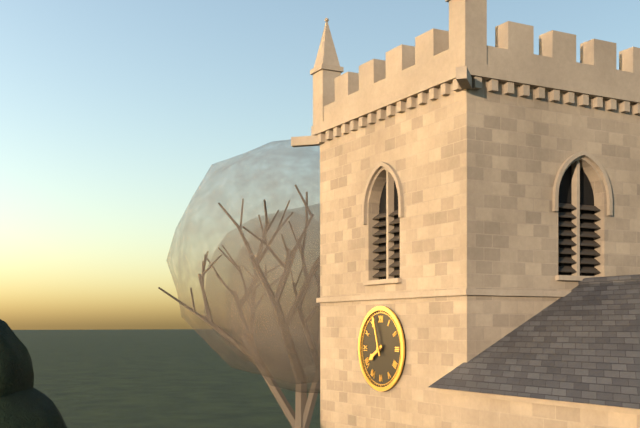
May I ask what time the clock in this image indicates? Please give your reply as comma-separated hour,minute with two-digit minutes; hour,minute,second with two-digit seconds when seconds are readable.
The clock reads 7,57
